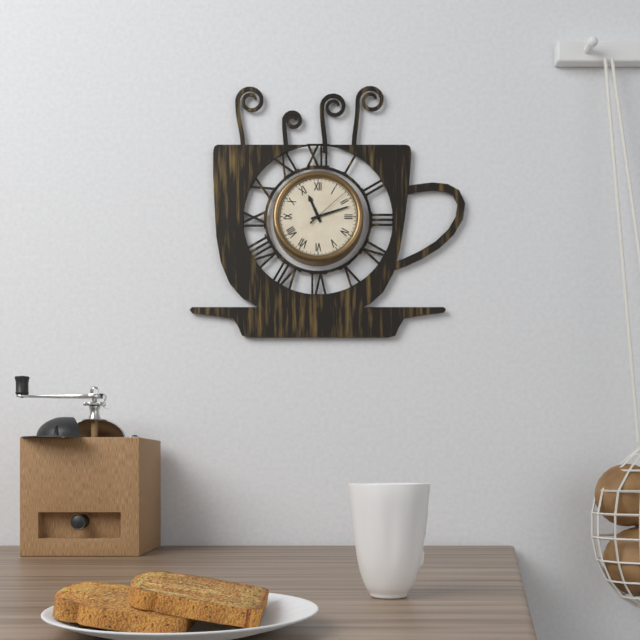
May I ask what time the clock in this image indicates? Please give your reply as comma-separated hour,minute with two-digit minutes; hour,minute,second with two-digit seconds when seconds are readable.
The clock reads 11,12
